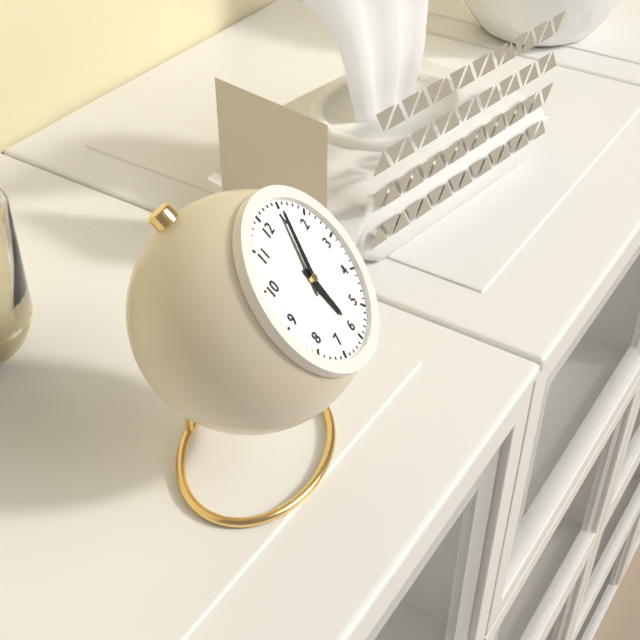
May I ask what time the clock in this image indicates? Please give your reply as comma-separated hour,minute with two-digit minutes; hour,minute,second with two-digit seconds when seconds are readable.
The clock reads 6,05
